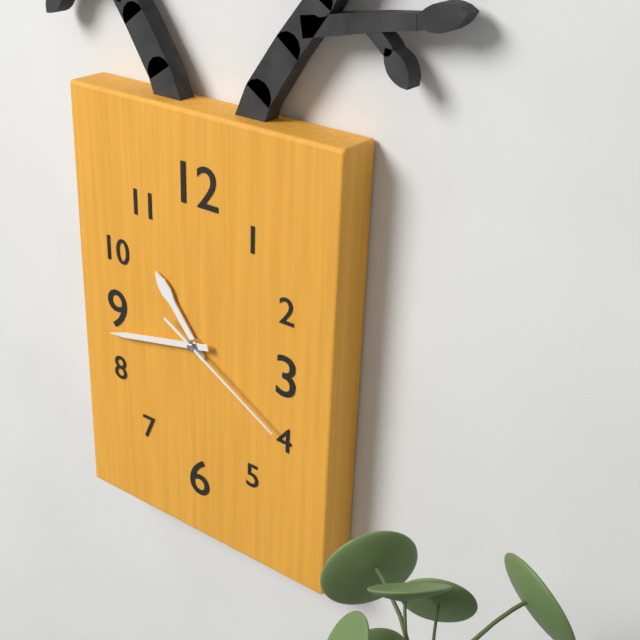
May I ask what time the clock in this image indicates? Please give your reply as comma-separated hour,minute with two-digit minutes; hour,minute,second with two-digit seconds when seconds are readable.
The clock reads 10,43,20
